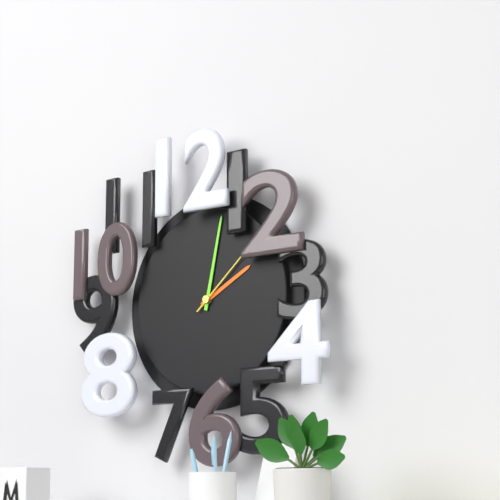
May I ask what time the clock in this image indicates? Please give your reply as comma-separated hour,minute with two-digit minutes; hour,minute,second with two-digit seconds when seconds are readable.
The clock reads 2,02
